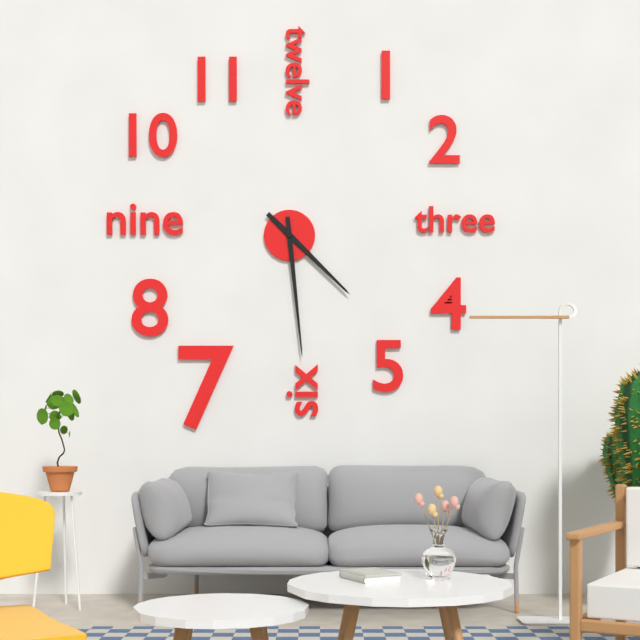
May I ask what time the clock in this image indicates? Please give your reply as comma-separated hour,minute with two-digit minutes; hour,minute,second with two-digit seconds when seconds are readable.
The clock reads 4,29
